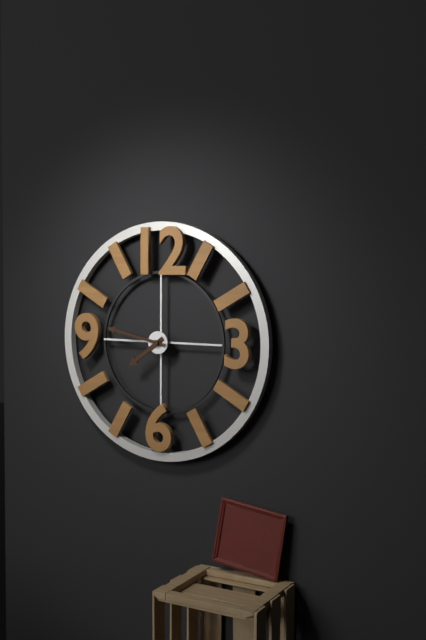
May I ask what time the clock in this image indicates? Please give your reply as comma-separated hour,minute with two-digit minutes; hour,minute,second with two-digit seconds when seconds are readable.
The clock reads 7,47
